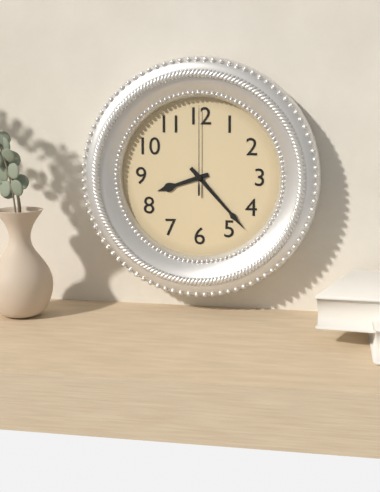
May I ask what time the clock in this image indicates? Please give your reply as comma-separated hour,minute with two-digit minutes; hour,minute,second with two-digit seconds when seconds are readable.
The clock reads 8,23,00
